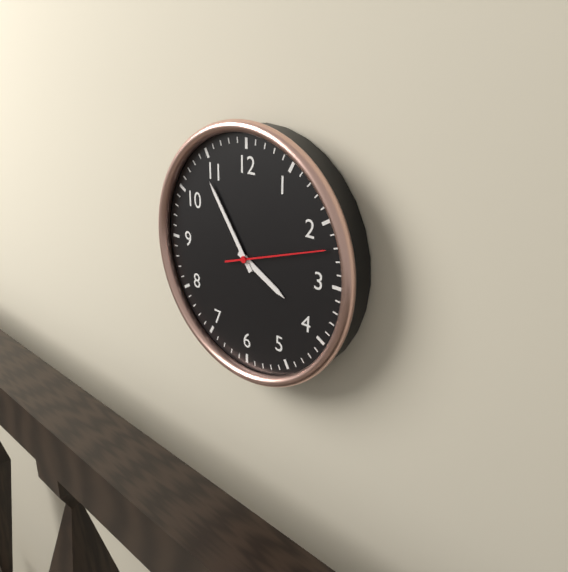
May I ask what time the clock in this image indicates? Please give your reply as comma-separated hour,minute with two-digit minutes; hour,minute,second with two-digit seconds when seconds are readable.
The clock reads 3,54,12
